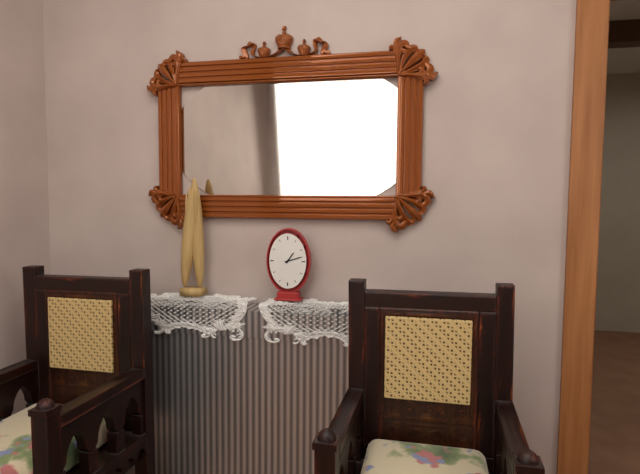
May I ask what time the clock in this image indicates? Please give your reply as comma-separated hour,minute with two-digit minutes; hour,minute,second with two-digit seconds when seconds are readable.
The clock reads 1,12
